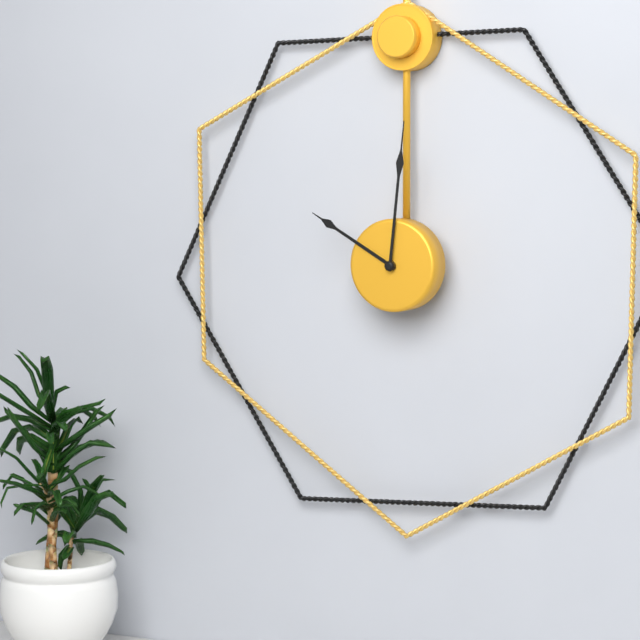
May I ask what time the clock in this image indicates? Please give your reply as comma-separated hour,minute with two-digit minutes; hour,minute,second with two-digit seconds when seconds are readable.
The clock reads 10,01
